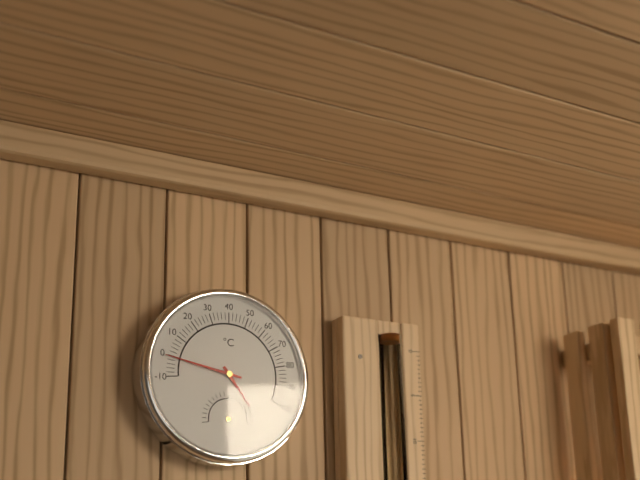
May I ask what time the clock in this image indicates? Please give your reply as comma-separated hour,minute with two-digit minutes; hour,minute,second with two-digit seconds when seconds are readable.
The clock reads 4,47
